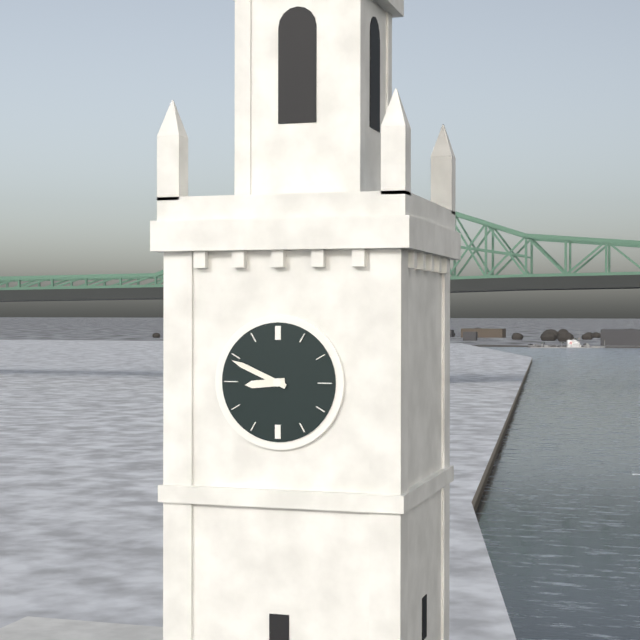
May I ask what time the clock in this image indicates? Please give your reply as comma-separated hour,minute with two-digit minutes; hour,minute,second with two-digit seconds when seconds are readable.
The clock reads 8,49
